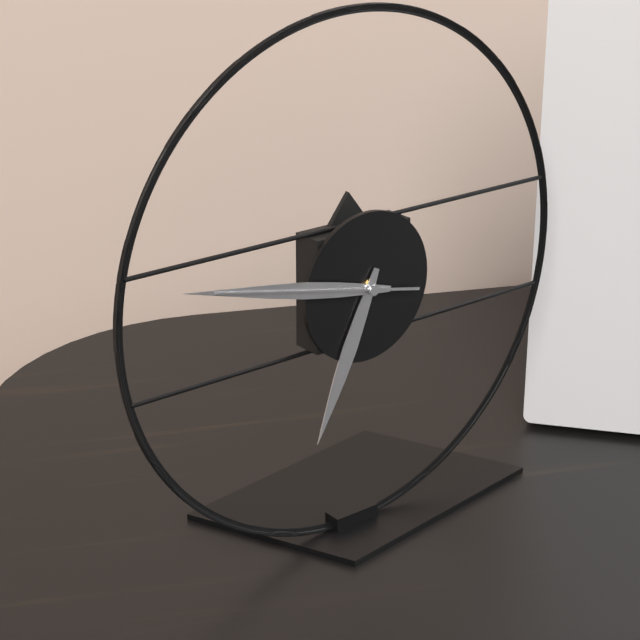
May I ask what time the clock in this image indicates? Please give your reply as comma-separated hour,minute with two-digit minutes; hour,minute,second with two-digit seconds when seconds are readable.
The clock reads 6,47,47
